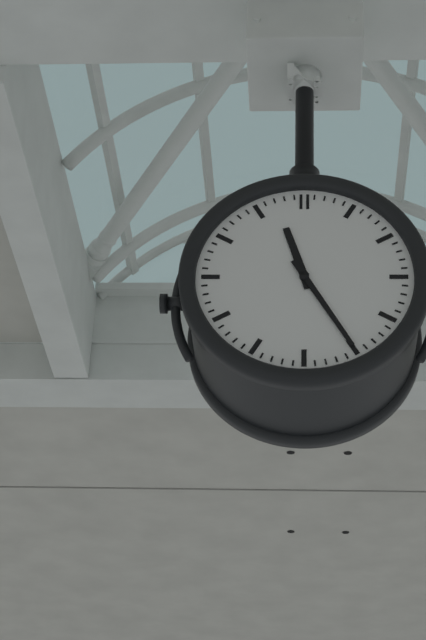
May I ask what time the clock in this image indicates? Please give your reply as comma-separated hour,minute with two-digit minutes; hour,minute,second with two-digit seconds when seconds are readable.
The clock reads 11,25
